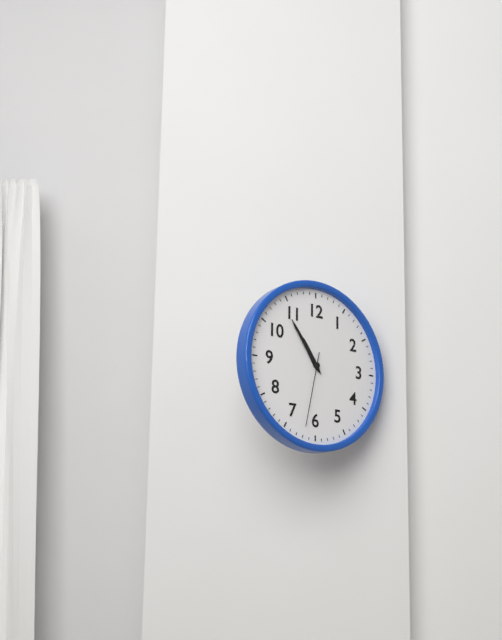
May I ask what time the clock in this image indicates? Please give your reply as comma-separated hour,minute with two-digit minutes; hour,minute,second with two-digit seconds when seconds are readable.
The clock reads 10,54,32
